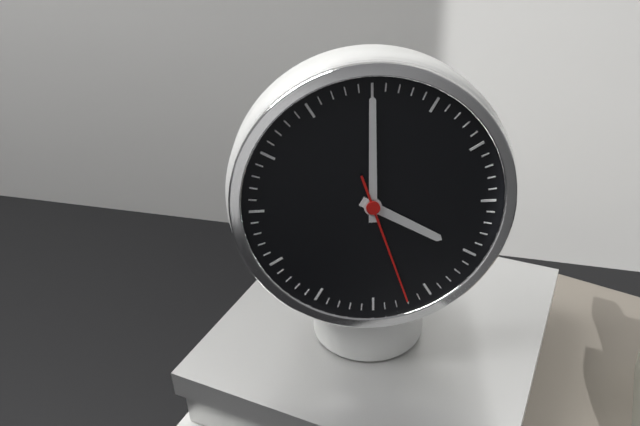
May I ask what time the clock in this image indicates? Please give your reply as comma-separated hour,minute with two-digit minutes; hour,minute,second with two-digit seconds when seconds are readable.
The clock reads 4,00,27
